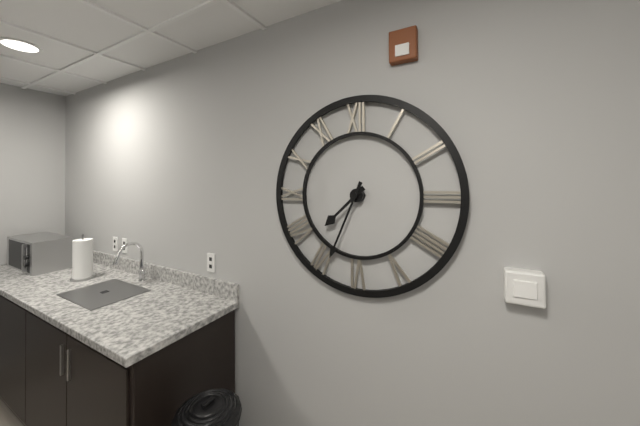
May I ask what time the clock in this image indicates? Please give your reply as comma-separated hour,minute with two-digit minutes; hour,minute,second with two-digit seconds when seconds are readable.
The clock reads 7,34
